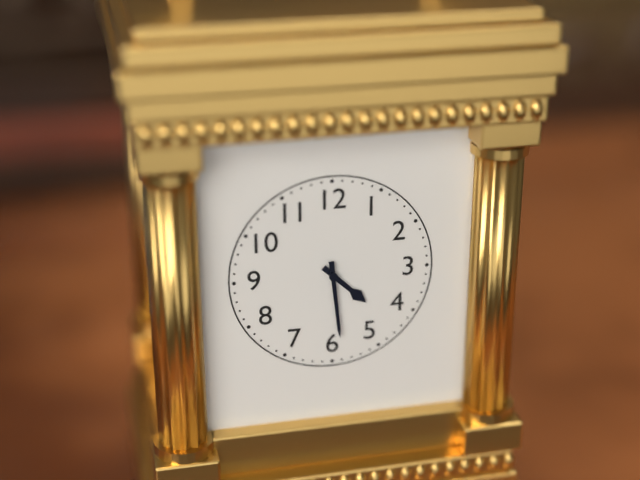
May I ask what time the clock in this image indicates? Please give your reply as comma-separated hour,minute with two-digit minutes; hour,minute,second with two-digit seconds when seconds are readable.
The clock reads 4,29
